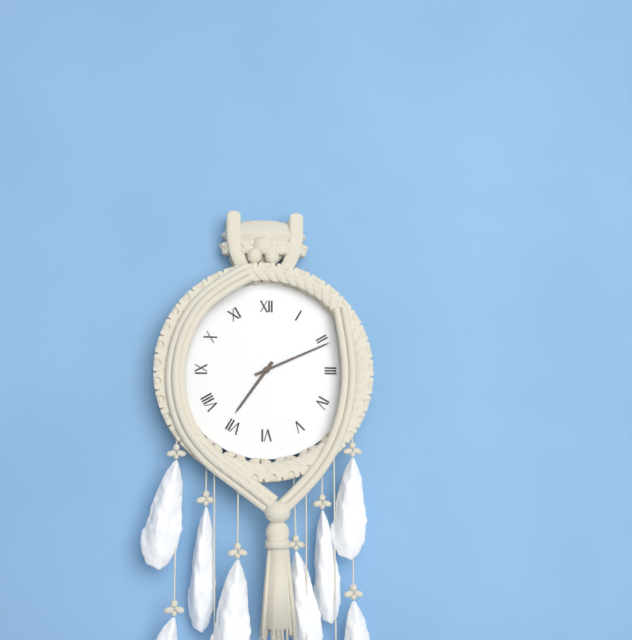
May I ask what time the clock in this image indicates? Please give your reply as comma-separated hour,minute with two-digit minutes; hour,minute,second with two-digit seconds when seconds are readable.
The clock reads 7,11
